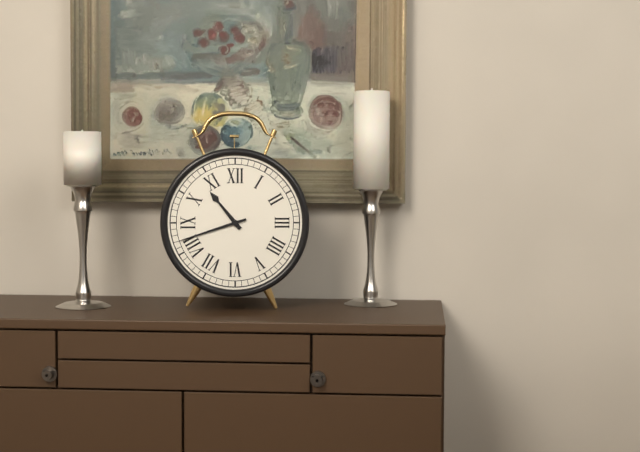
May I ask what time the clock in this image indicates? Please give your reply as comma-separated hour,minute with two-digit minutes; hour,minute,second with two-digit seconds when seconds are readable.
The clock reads 10,42
